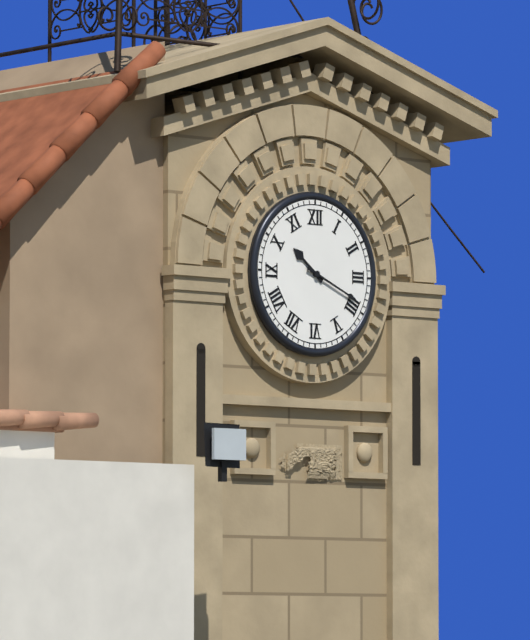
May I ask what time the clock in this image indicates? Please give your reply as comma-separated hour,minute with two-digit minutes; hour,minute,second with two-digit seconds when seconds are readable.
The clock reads 10,19
